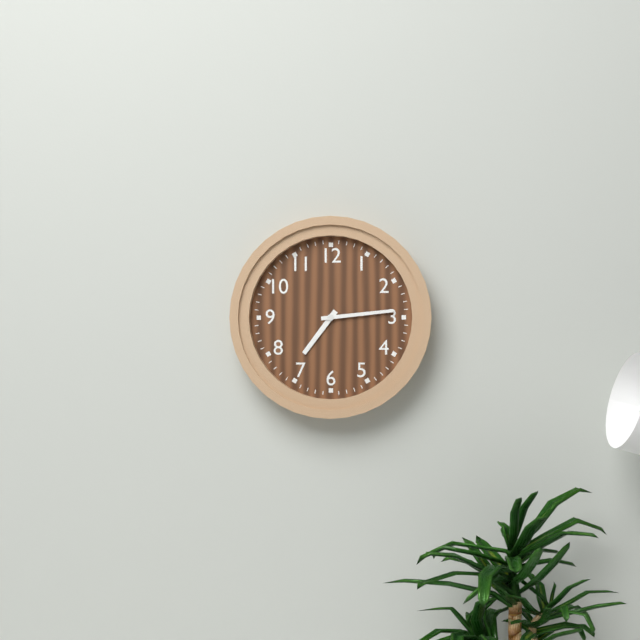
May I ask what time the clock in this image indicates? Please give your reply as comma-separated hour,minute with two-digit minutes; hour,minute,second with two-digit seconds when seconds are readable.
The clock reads 7,14
